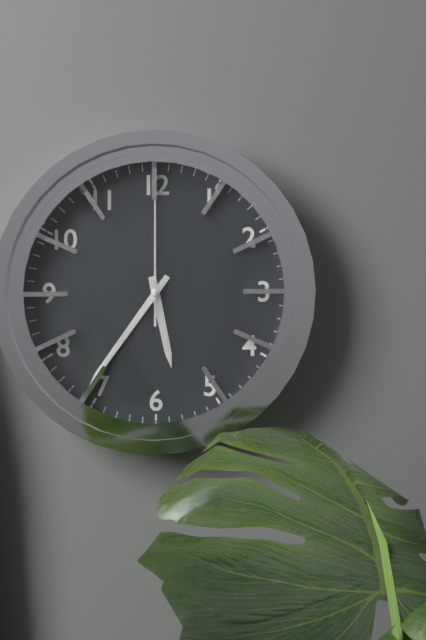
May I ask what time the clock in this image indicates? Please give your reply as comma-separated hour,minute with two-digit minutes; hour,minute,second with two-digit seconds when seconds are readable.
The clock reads 5,36,00
